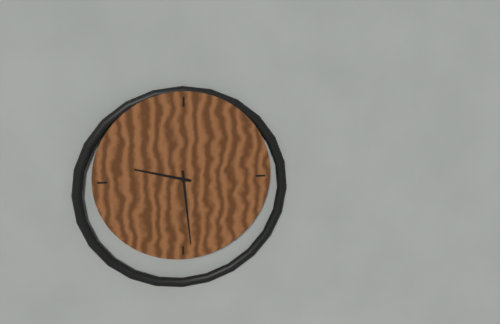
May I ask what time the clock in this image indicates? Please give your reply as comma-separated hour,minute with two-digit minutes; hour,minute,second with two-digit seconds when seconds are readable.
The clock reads 9,29
